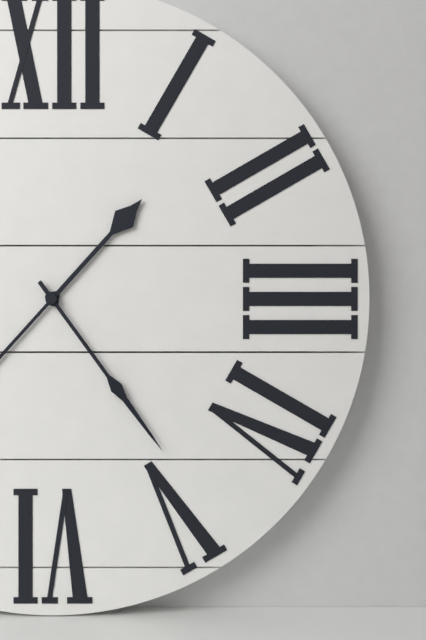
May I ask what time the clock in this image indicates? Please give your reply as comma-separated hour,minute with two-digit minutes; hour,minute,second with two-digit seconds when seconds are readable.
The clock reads 1,24
